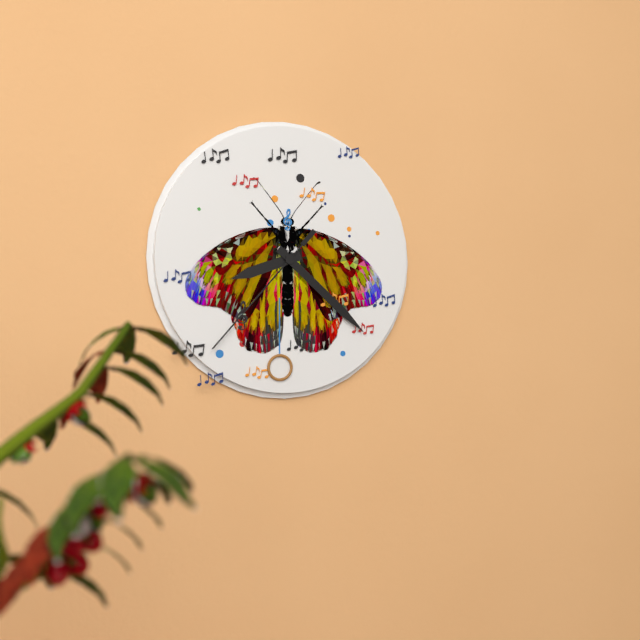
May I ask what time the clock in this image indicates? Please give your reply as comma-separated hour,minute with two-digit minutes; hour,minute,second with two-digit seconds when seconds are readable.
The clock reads 8,22,37
